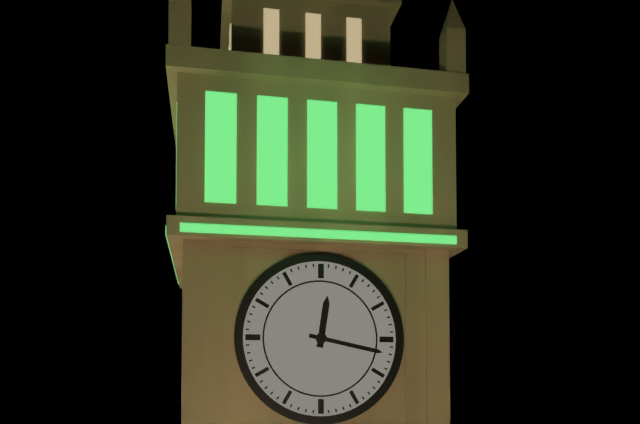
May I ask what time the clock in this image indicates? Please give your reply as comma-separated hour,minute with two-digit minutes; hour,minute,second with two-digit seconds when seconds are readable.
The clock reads 12,17
